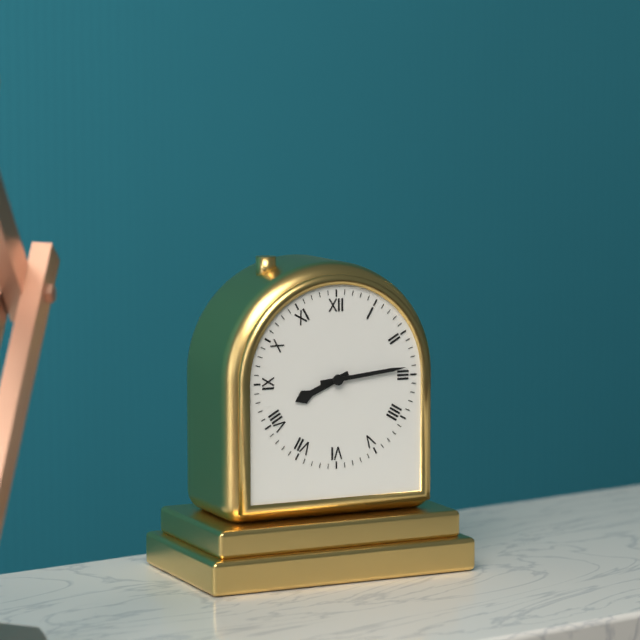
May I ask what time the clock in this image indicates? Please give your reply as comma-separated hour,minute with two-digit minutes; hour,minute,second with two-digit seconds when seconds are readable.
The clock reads 8,14
